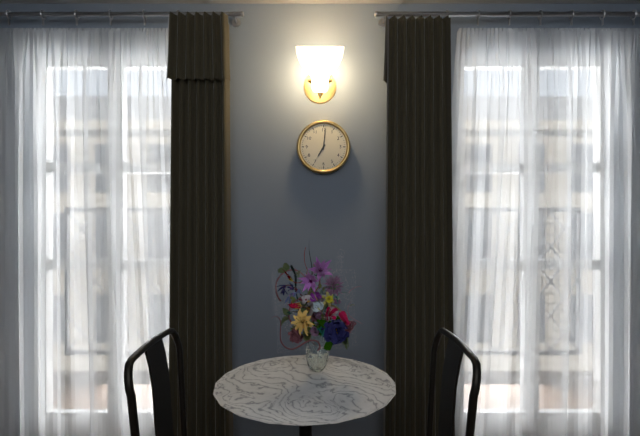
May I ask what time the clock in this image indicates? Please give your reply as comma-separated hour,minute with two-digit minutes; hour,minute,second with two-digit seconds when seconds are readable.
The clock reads 7,01
